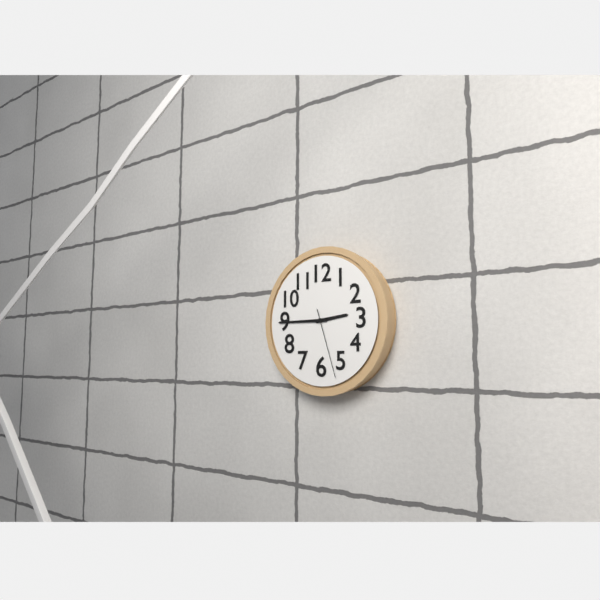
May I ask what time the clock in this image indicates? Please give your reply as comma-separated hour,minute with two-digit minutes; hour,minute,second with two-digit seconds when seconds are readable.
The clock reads 2,45,27
